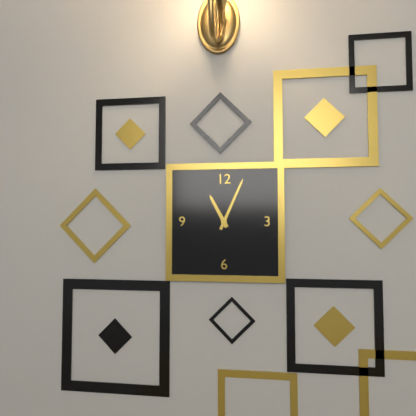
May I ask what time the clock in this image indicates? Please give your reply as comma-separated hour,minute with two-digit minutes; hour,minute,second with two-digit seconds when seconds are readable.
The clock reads 11,04
